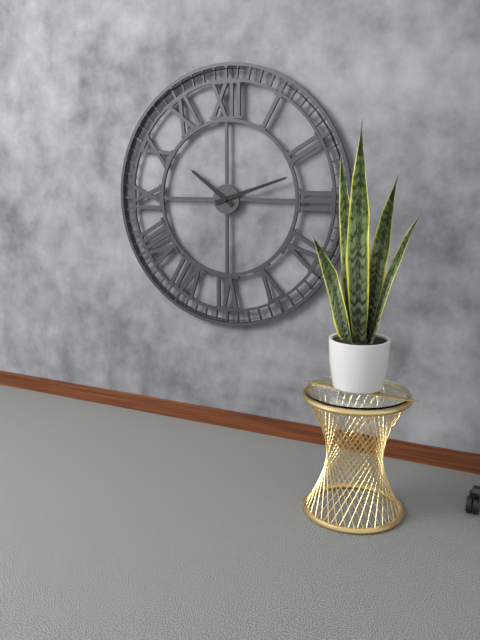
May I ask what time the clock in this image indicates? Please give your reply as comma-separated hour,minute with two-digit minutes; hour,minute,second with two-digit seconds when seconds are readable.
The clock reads 10,12
